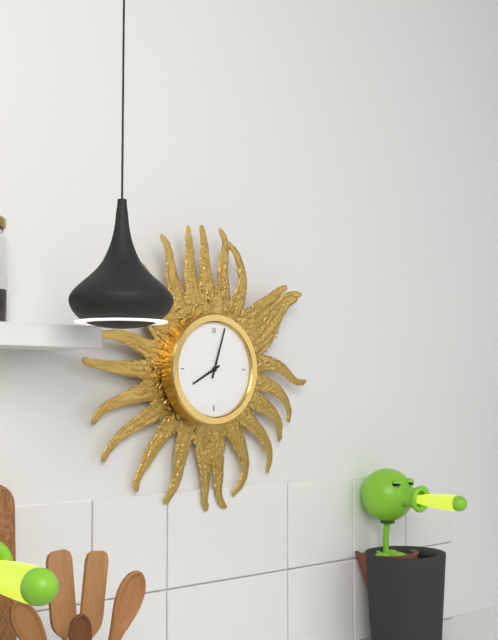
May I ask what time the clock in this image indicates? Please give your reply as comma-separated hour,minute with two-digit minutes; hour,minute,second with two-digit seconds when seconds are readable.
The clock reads 8,03
